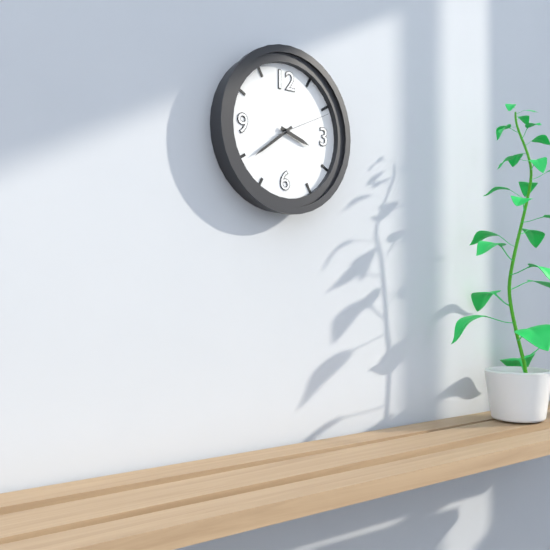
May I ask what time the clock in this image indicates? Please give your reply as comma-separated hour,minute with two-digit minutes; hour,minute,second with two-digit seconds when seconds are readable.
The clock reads 3,39,11
